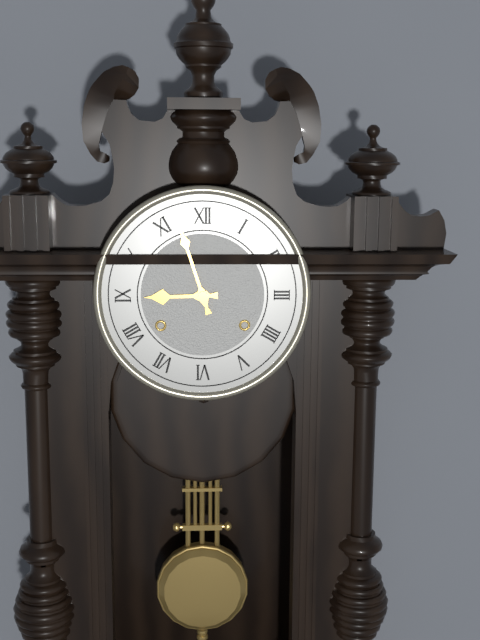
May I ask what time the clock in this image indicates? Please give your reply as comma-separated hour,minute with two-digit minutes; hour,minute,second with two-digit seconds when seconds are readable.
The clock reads 8,57
